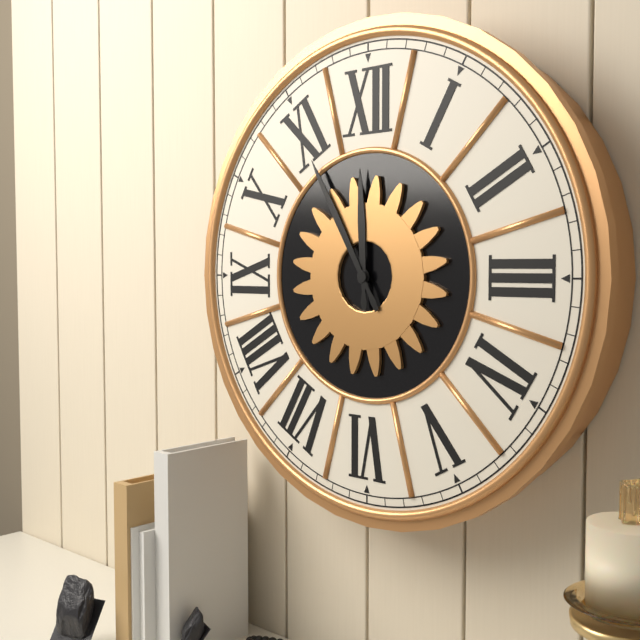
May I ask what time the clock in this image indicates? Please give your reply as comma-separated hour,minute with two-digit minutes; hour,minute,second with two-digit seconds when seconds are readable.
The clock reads 11,55
